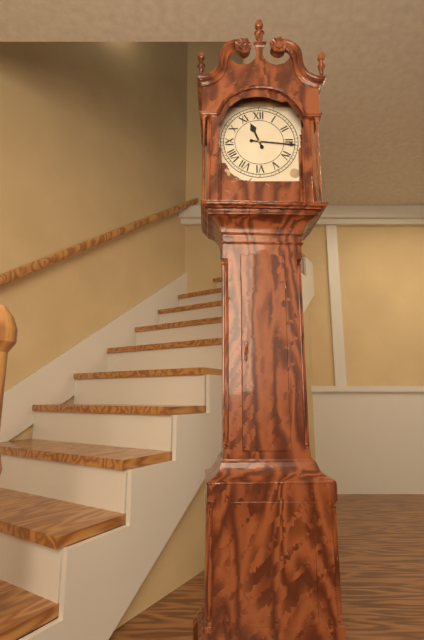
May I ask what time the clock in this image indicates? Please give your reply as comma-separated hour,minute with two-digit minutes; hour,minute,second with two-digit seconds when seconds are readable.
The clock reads 11,16
